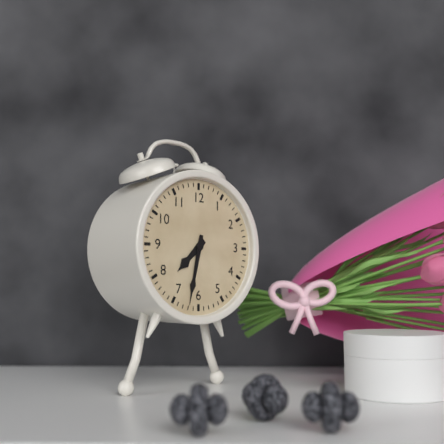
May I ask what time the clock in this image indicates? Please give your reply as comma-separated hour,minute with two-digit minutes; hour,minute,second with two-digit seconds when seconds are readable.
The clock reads 7,32
